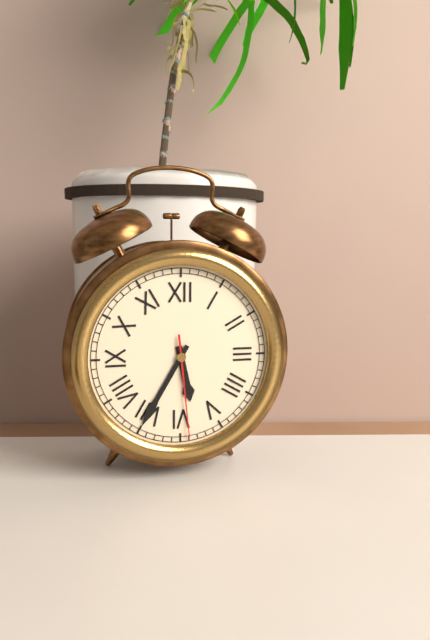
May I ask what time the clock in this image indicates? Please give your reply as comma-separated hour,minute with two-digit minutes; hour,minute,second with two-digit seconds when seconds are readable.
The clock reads 5,35,29
